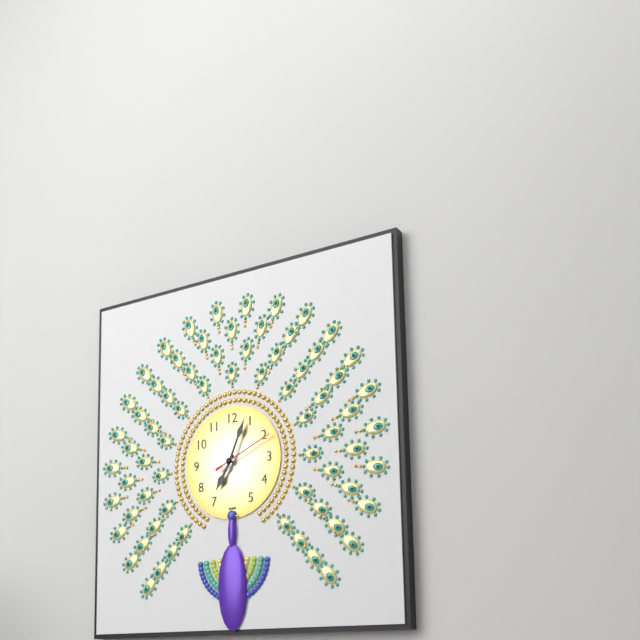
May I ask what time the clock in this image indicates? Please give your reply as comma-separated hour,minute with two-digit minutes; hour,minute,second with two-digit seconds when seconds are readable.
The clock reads 7,04,11
